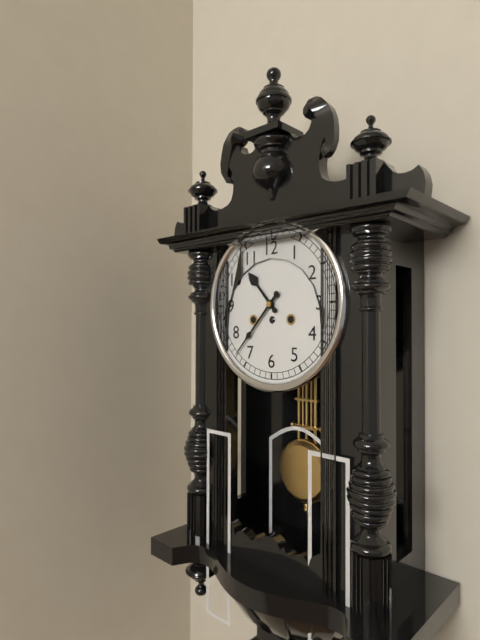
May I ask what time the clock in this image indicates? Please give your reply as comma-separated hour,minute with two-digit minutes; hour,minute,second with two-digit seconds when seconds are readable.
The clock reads 10,37
